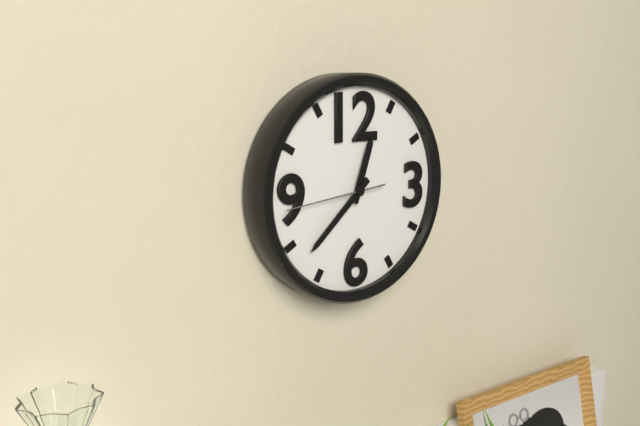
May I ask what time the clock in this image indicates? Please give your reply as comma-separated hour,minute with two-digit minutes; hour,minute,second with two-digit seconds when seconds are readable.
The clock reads 12,38,44
